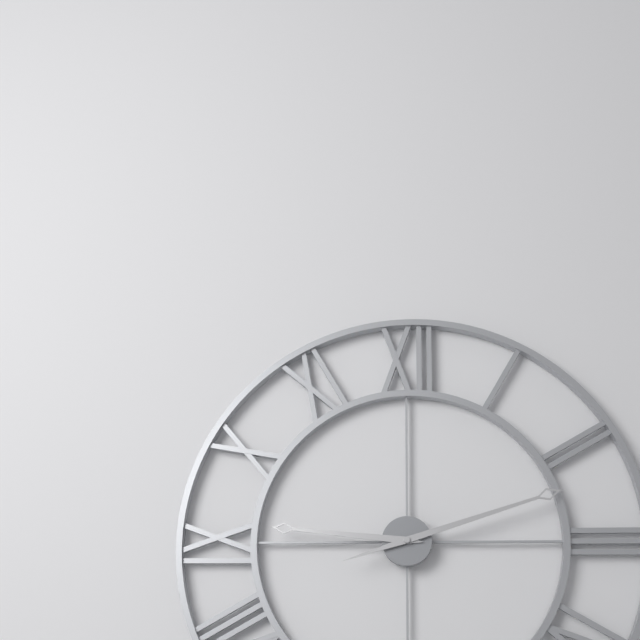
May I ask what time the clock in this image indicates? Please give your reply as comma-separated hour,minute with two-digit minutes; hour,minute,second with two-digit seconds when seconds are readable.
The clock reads 9,12
